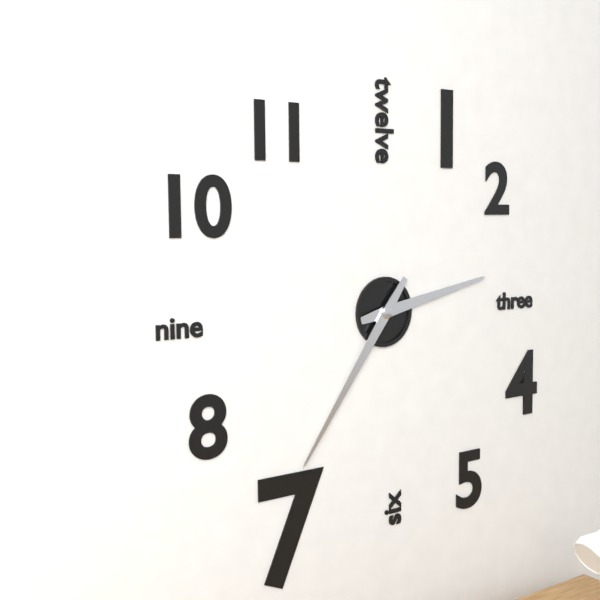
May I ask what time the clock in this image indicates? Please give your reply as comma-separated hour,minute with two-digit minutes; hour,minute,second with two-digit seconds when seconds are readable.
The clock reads 2,36
